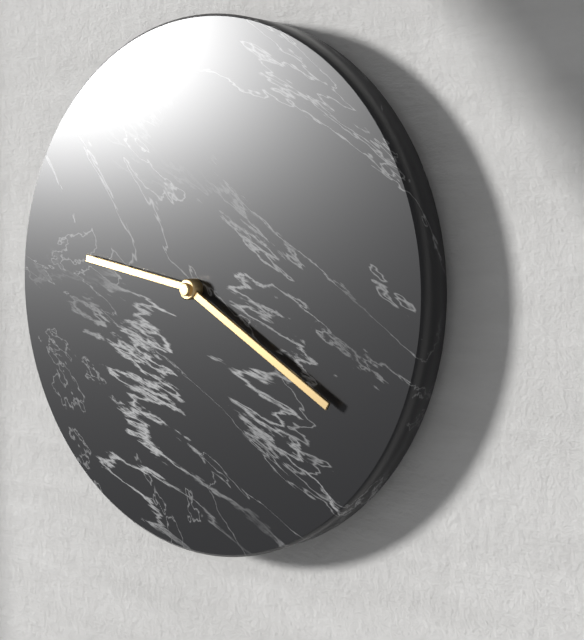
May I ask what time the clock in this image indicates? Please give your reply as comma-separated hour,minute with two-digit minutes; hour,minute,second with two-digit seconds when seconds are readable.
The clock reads 9,20
